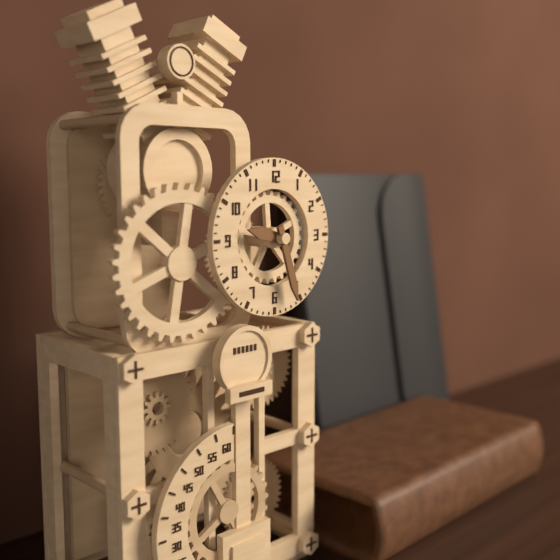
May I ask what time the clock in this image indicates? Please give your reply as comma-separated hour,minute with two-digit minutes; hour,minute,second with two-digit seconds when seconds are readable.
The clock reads 9,27
